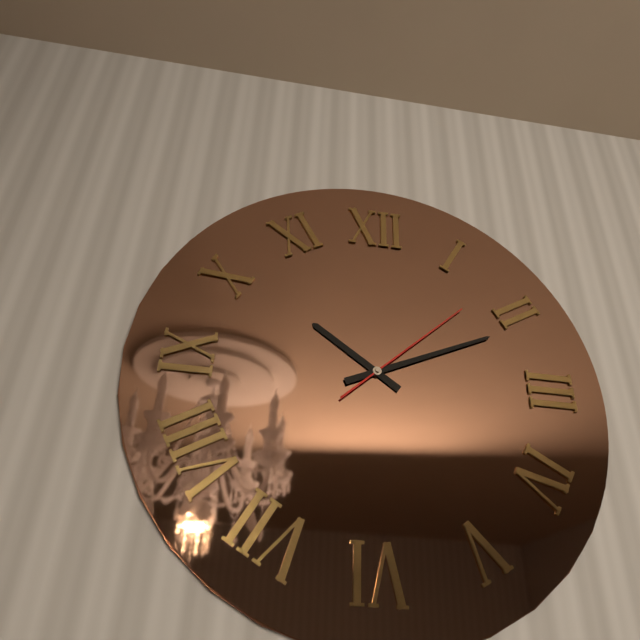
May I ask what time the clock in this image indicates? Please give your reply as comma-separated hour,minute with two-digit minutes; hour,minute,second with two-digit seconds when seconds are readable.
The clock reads 10,11,08
